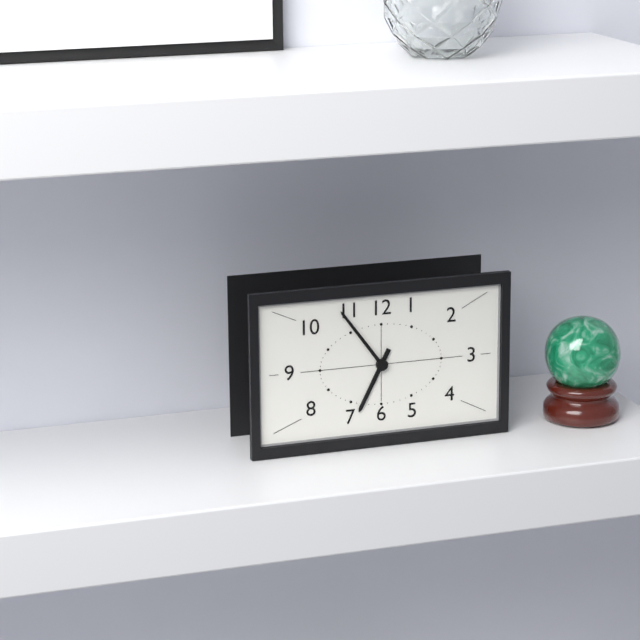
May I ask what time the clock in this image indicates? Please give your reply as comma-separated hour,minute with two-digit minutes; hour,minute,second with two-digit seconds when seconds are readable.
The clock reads 6,54
